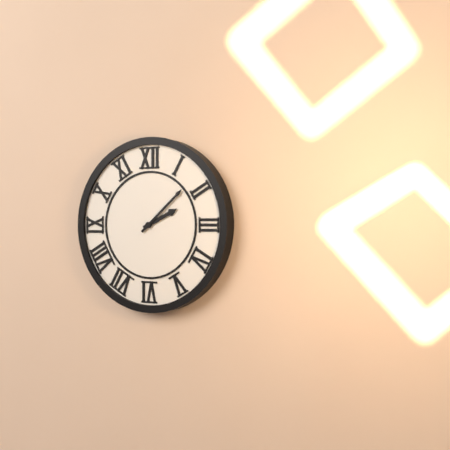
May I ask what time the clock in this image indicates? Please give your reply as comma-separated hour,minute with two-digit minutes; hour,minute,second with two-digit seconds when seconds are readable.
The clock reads 2,08
